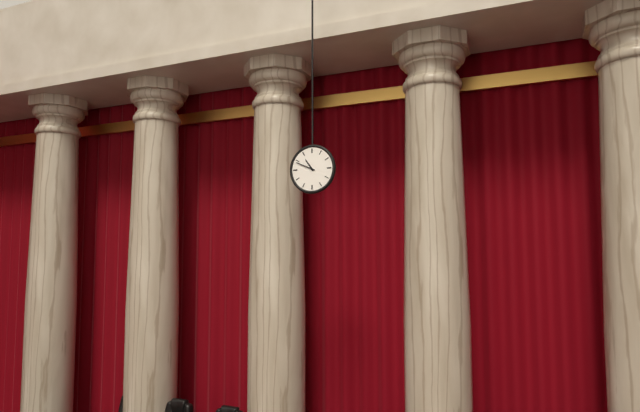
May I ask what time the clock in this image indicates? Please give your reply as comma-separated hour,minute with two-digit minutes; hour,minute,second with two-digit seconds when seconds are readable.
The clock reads 10,49
